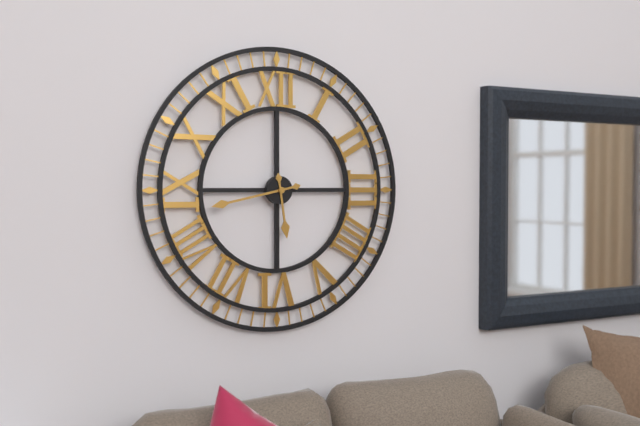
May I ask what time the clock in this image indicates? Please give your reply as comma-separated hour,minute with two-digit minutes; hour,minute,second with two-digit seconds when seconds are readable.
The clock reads 5,43
